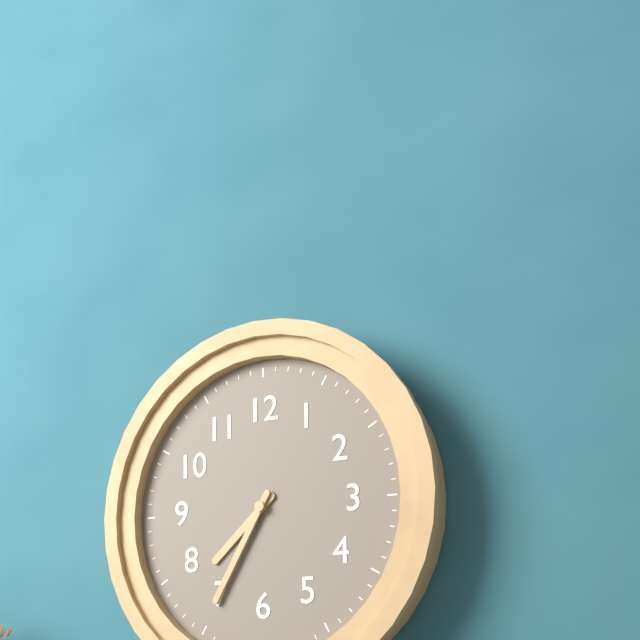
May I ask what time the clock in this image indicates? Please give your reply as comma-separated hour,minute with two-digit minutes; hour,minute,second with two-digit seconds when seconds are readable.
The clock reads 7,35
